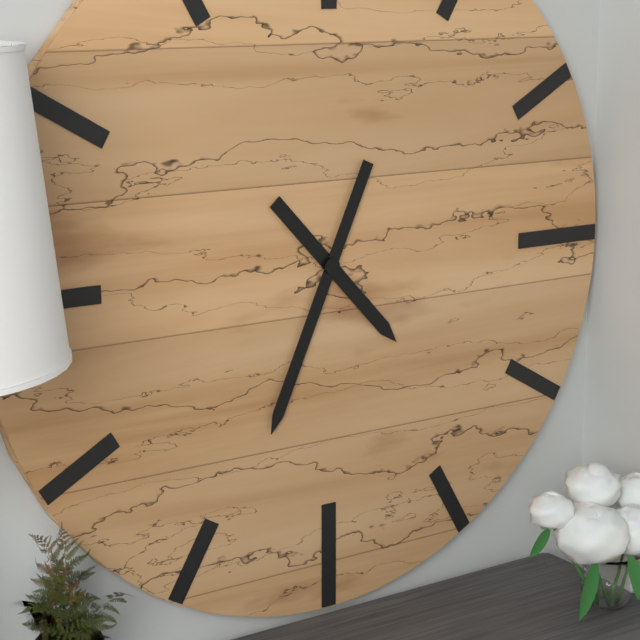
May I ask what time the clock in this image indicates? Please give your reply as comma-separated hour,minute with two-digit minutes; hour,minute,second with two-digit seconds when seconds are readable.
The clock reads 4,34
